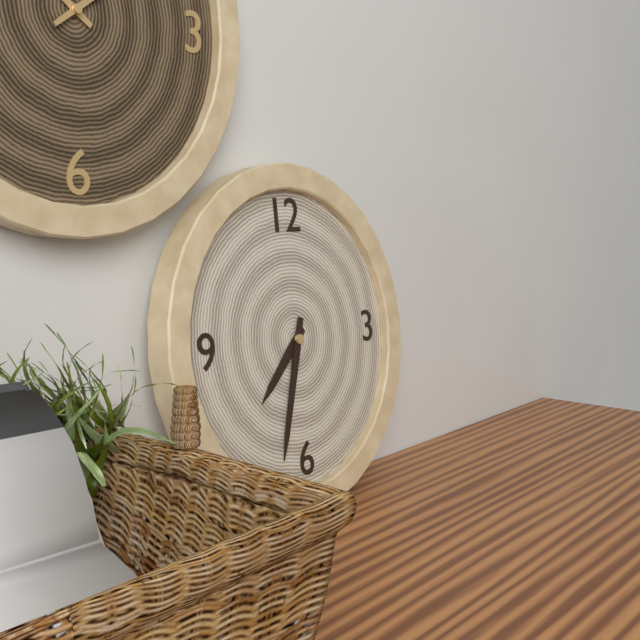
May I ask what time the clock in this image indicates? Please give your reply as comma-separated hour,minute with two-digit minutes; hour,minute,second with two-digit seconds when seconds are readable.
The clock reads 7,33
